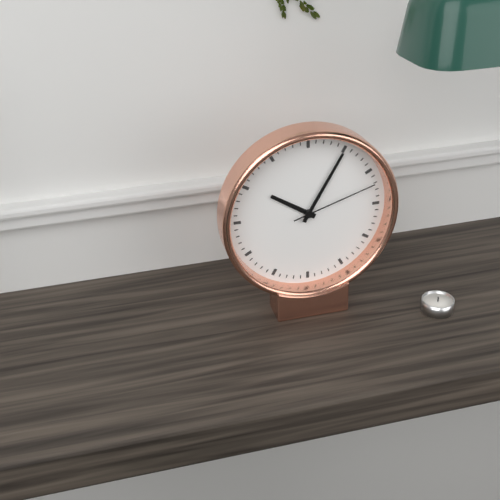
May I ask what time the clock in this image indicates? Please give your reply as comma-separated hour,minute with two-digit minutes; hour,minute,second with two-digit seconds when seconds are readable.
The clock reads 10,05,12
